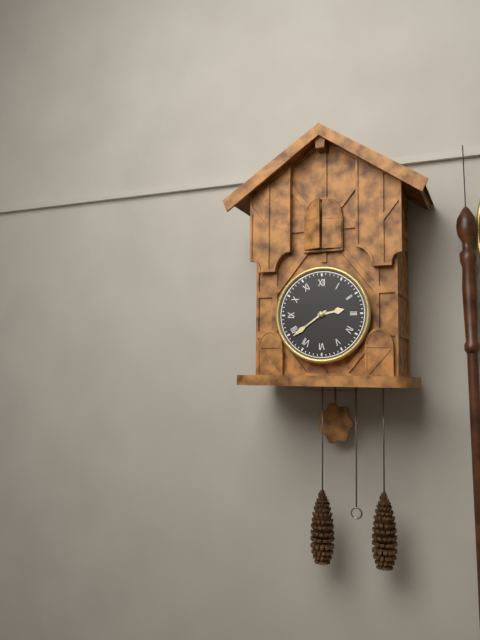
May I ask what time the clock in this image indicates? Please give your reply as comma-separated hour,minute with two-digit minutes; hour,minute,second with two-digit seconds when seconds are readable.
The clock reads 2,39
